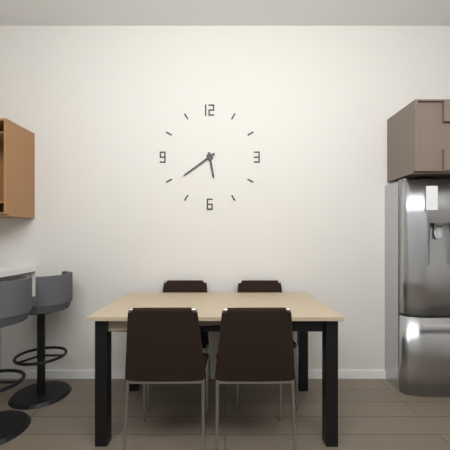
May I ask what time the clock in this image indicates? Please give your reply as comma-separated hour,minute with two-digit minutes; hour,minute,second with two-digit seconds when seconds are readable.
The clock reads 5,39
